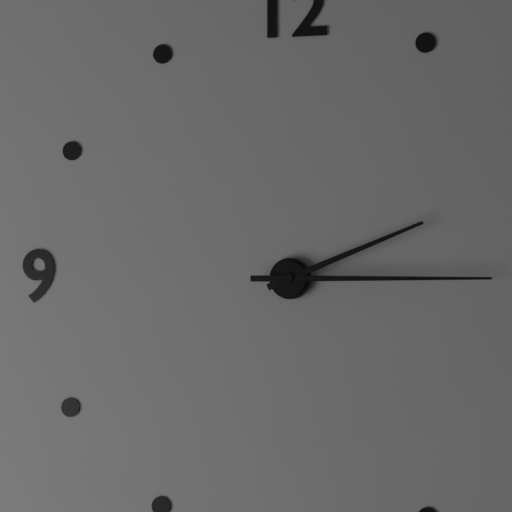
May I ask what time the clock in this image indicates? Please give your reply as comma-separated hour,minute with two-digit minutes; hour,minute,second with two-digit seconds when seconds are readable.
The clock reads 2,15
